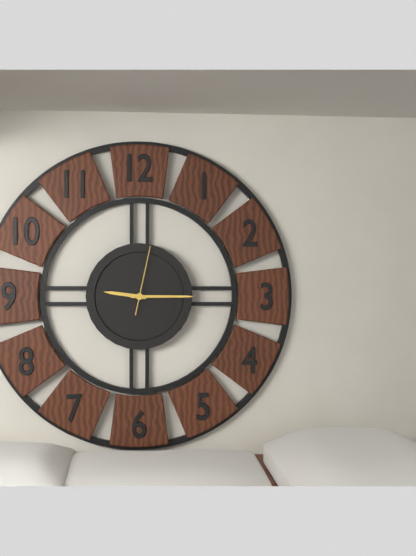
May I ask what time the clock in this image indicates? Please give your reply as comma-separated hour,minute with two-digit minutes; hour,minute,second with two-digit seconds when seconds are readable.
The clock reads 9,15,02
